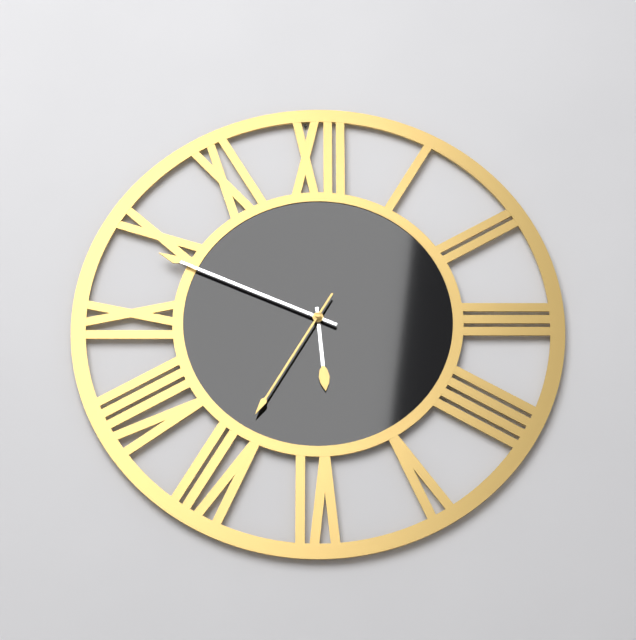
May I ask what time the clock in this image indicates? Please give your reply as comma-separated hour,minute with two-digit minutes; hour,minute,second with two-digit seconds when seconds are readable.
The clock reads 5,49,35
